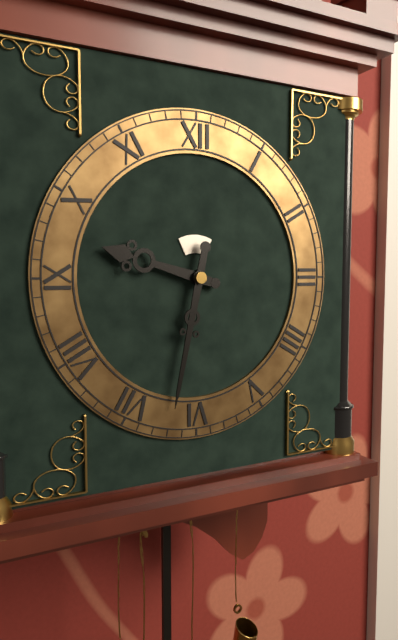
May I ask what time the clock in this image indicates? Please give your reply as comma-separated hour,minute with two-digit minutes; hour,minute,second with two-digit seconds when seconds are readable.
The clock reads 9,32
